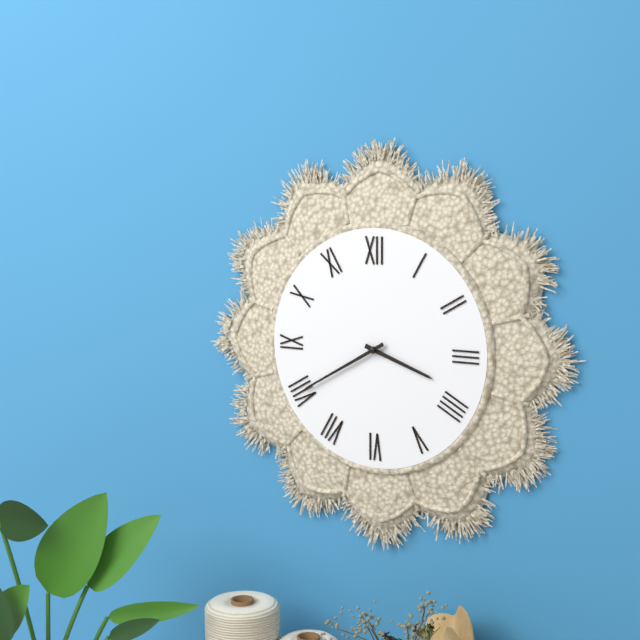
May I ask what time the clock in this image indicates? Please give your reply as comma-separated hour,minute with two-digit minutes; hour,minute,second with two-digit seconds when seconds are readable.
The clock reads 3,40
